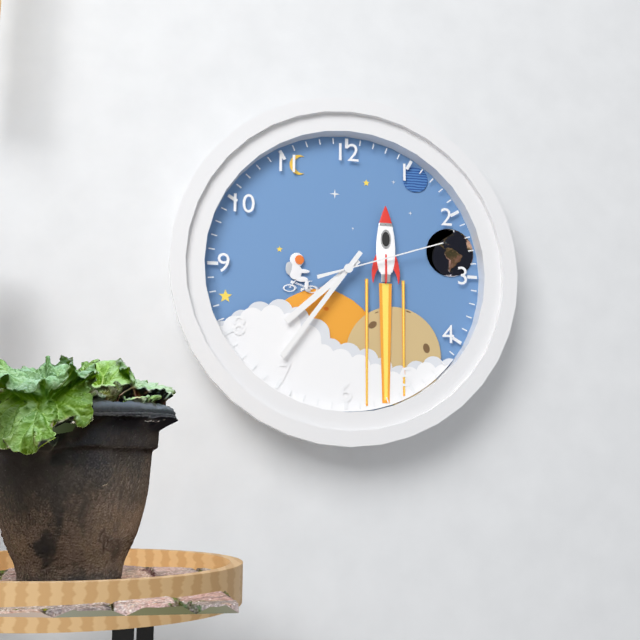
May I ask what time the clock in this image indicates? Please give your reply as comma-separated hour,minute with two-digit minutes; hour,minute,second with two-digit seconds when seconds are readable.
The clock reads 7,36,12
